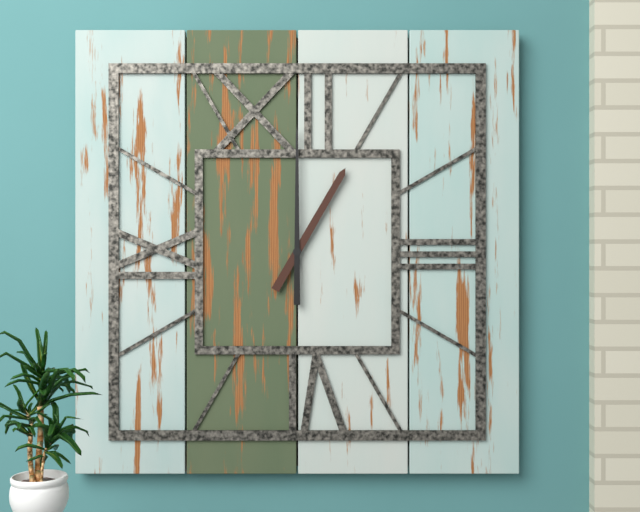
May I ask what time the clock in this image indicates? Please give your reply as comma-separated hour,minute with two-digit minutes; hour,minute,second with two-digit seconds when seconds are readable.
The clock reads 1,00
